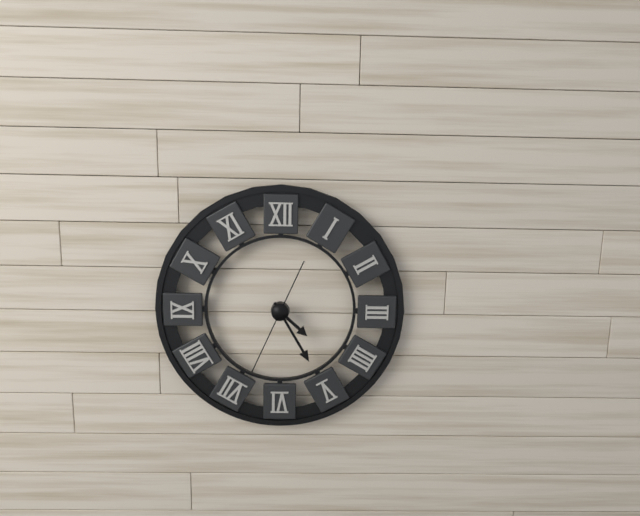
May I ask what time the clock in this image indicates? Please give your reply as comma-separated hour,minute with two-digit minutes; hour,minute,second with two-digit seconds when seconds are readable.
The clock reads 4,25,34
